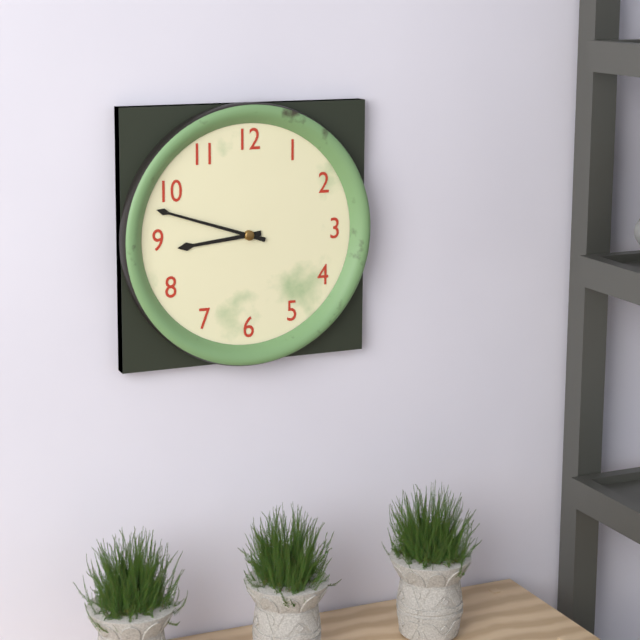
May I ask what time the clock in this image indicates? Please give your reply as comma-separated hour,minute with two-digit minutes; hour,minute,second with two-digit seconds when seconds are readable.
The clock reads 8,48
